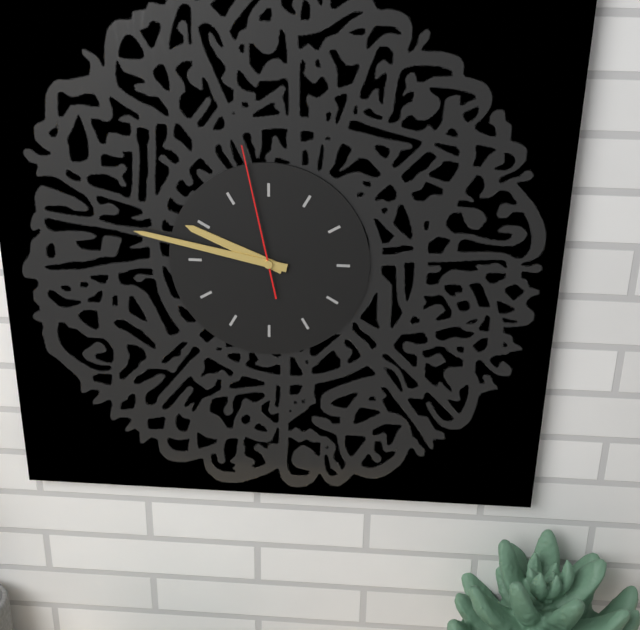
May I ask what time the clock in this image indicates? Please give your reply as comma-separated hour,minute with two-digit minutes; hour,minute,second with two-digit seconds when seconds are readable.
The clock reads 9,47,58
